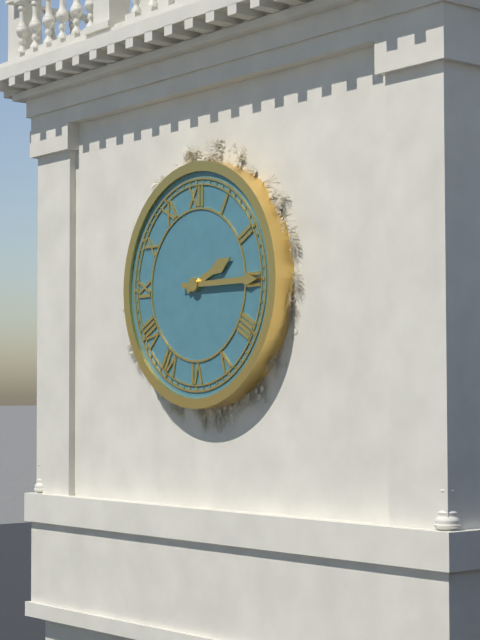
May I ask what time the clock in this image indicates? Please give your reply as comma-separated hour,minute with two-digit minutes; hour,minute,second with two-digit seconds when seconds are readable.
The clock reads 2,15
